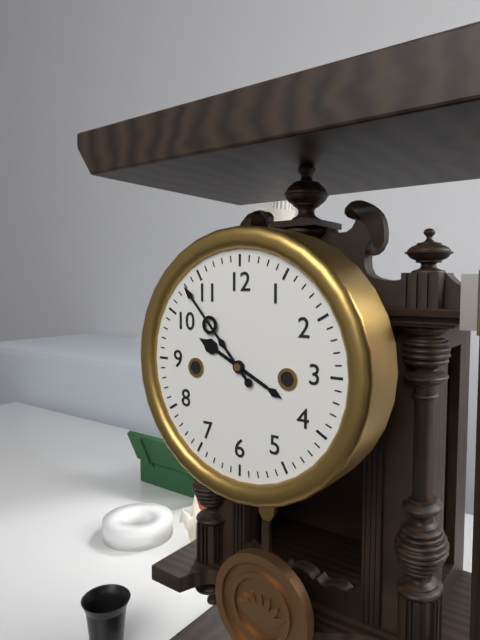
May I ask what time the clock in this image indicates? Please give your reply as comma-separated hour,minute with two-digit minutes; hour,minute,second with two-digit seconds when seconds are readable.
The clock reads 9,53
